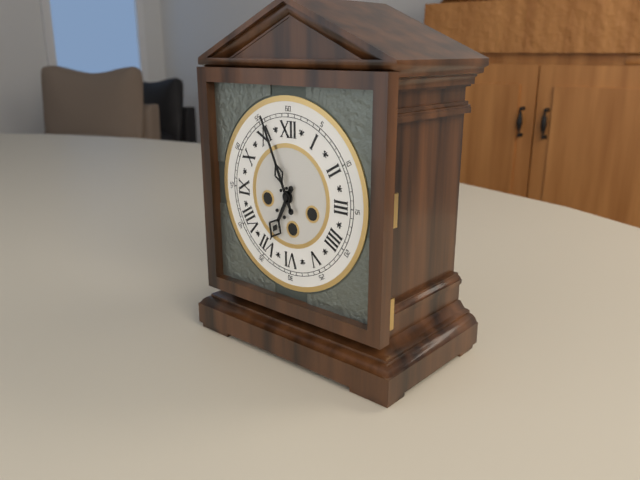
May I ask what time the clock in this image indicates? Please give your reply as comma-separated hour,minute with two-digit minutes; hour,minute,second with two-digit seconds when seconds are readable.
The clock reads 6,56
